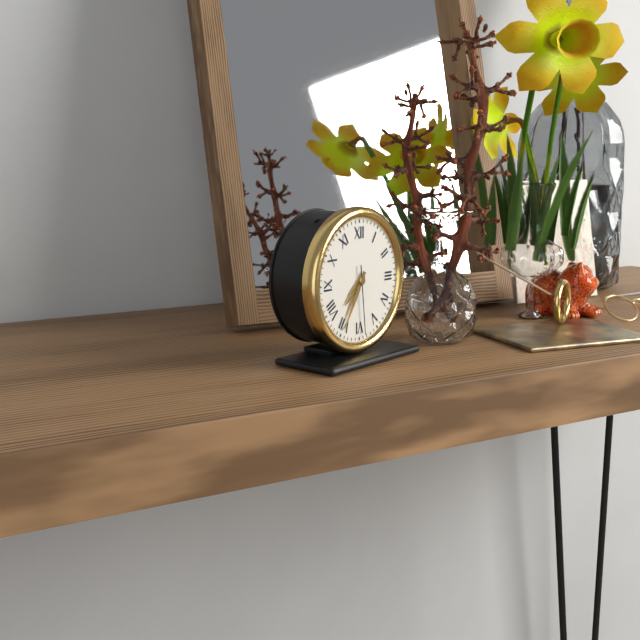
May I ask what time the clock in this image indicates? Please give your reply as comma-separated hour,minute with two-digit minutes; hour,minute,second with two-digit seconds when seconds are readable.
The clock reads 7,35,29
